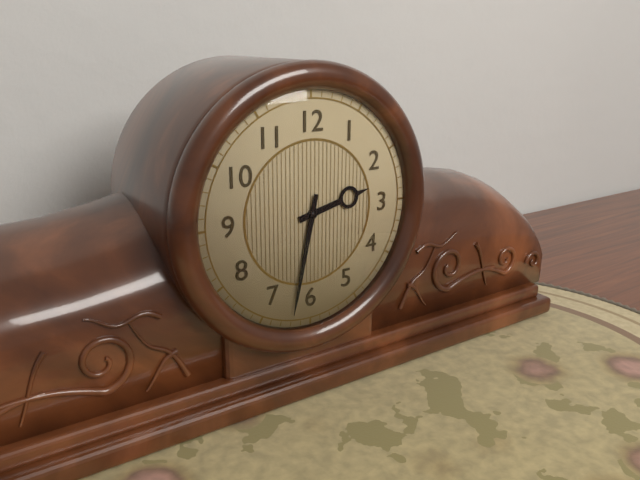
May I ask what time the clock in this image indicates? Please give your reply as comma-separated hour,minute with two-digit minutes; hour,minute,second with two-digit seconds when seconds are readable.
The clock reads 2,32
